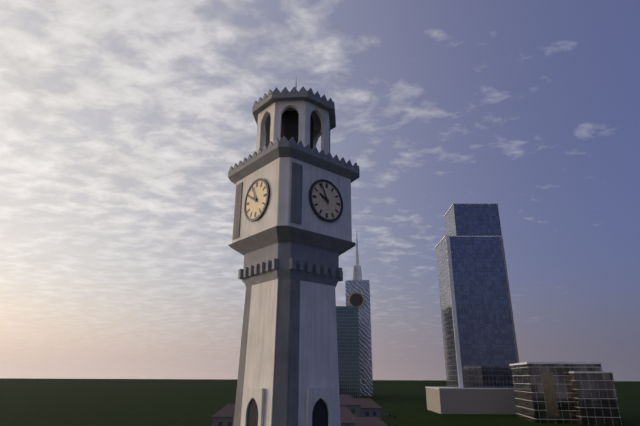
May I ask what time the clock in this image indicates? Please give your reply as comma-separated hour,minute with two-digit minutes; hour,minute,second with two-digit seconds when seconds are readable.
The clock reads 9,56
